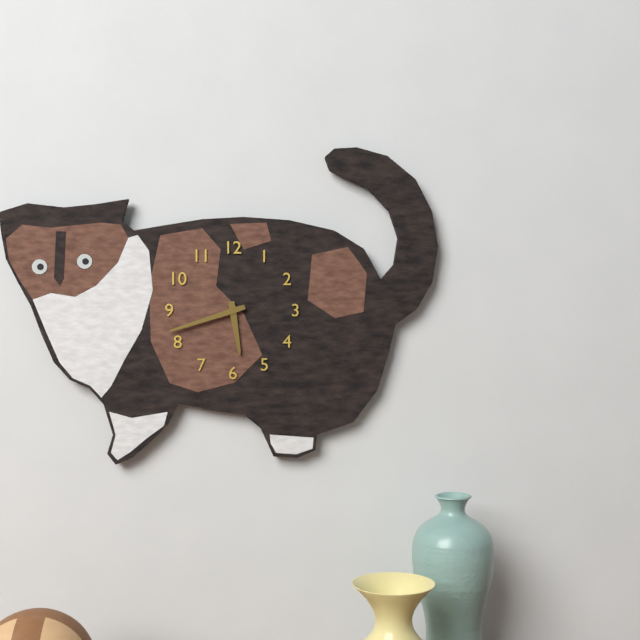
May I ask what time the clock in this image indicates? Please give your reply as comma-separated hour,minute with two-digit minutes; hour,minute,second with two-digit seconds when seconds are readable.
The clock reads 5,42
